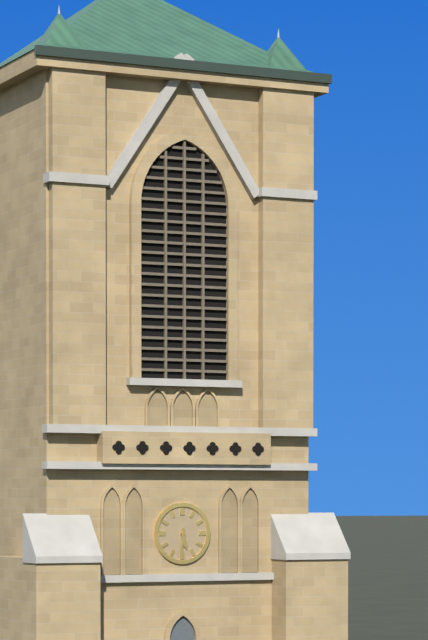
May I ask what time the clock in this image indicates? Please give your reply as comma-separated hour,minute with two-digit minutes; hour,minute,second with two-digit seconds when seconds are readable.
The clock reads 5,31
